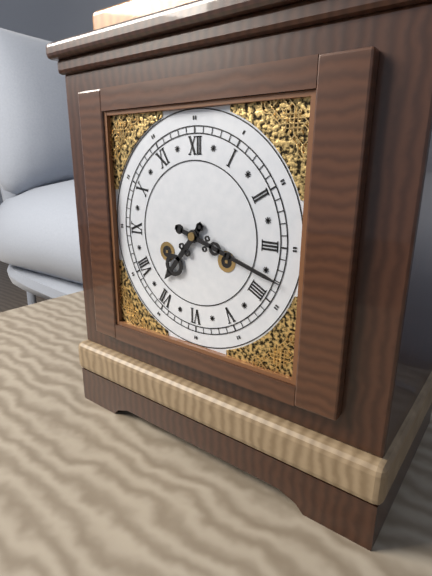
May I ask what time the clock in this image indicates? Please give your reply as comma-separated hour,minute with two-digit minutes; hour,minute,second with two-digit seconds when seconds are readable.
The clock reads 7,18
